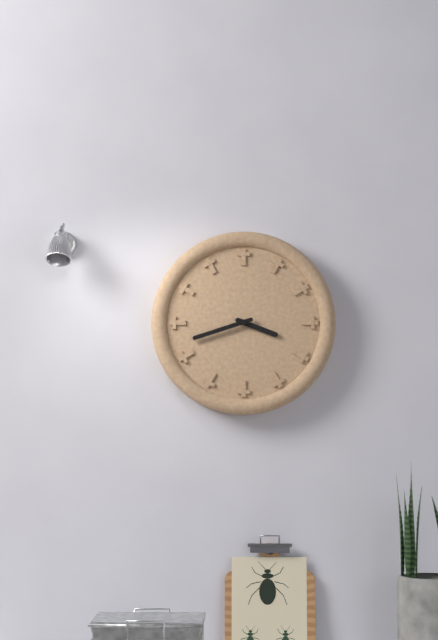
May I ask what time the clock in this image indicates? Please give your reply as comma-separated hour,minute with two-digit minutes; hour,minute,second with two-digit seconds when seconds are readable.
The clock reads 3,42
